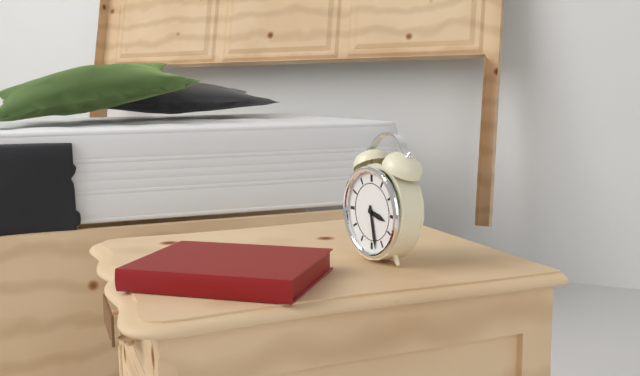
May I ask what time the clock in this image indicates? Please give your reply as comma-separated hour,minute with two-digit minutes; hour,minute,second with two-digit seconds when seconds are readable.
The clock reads 3,28
